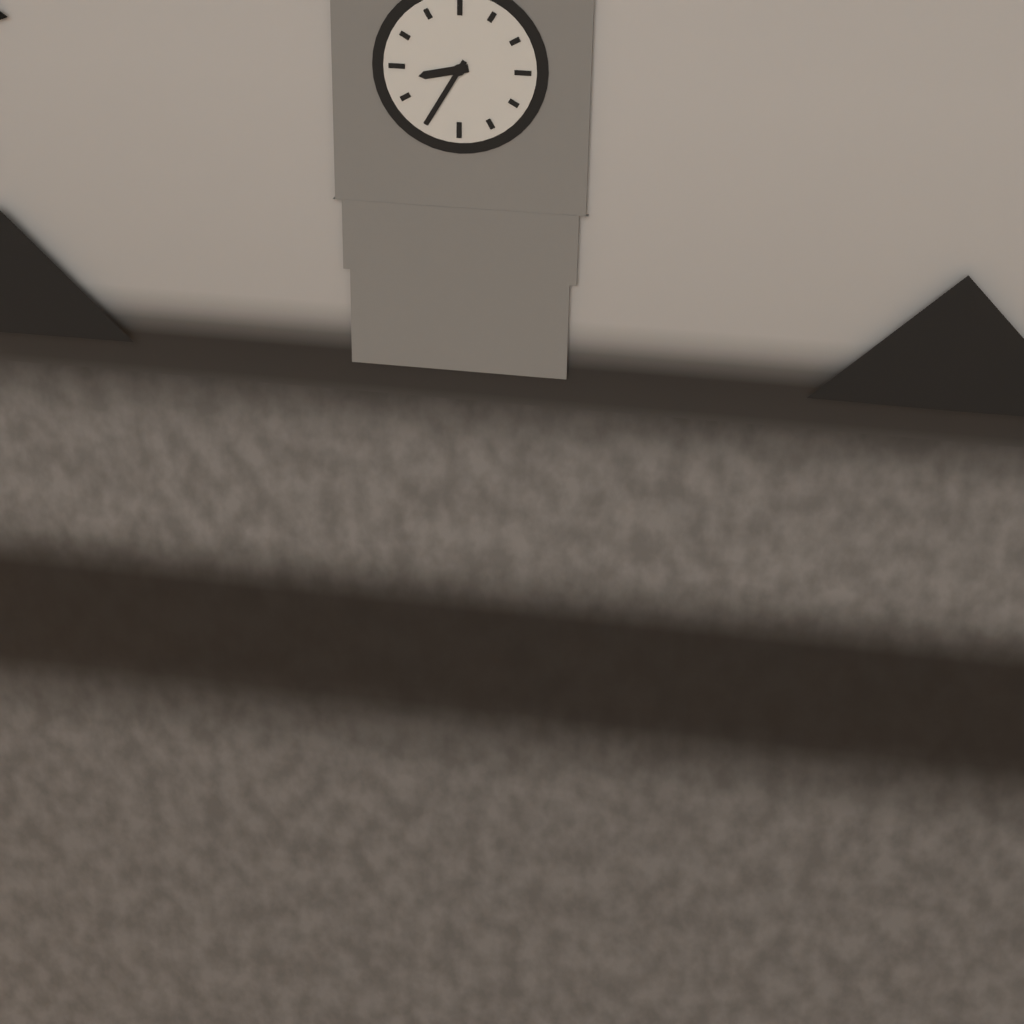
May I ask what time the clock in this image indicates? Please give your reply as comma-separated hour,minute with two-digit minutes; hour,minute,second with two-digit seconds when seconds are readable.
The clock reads 8,35
